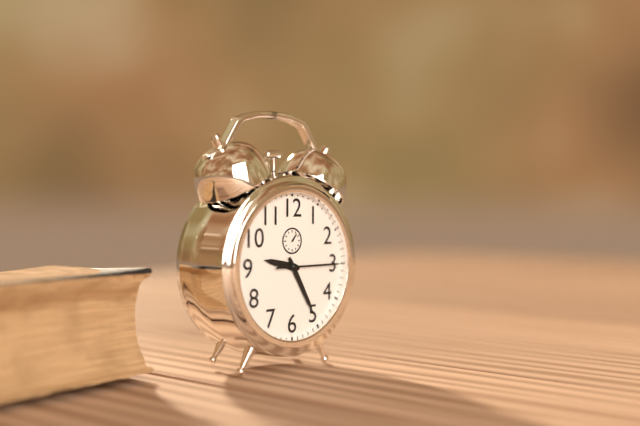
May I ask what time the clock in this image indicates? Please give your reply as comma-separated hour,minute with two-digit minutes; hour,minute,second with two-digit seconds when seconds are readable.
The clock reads 9,25,15
